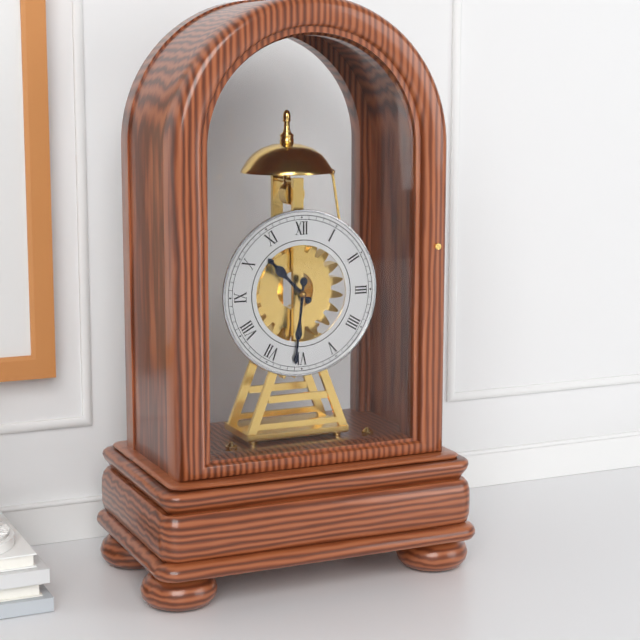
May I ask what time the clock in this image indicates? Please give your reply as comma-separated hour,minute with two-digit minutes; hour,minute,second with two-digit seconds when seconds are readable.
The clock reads 10,31
